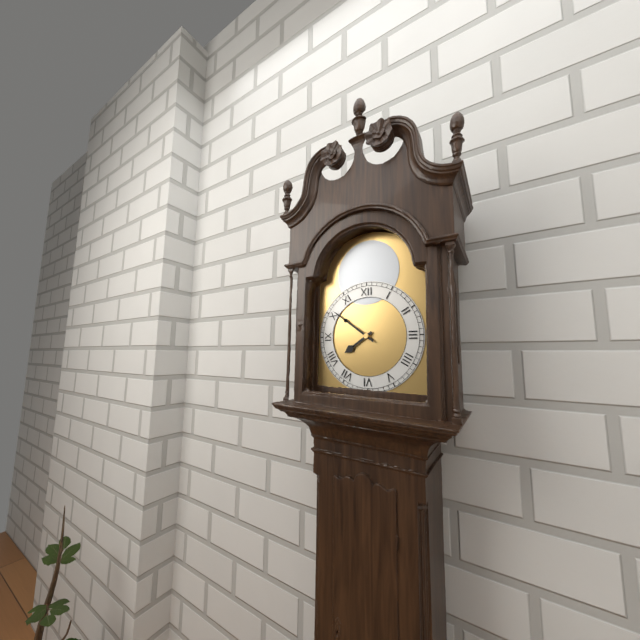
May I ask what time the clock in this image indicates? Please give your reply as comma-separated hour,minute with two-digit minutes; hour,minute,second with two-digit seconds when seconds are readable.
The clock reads 7,51
